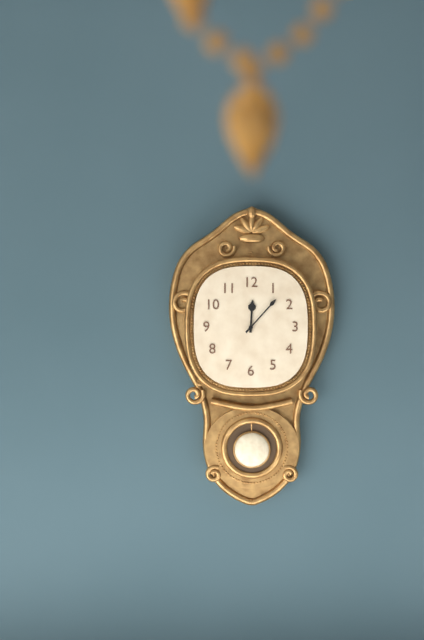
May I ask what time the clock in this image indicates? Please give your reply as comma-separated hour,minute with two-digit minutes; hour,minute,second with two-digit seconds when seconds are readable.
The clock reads 12,07
